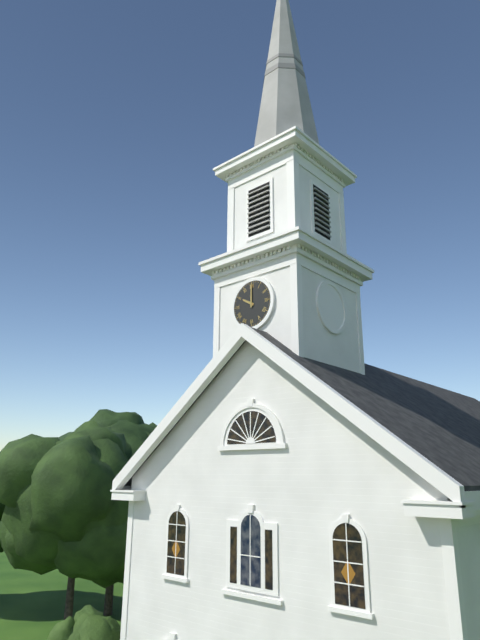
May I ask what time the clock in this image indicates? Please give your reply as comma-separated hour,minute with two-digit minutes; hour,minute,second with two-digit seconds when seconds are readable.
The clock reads 10,00
